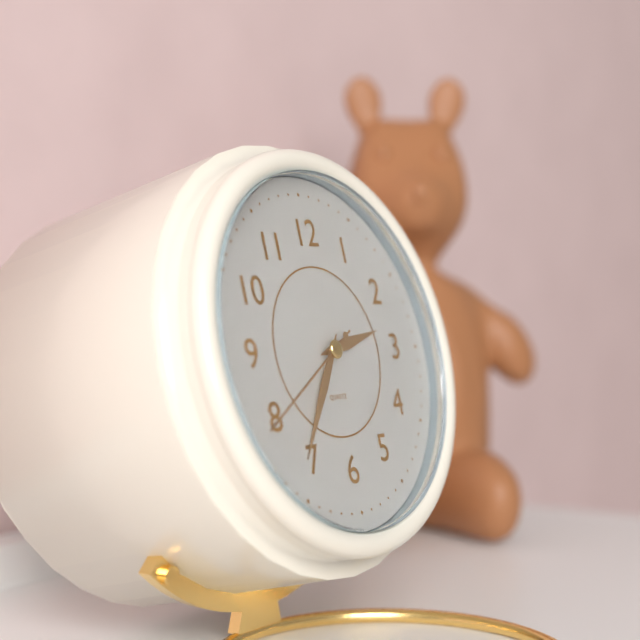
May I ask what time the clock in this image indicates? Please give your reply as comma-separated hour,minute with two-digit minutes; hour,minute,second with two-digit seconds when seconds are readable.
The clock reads 2,36,40
